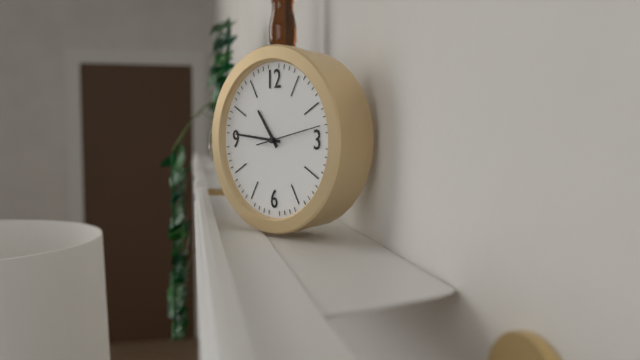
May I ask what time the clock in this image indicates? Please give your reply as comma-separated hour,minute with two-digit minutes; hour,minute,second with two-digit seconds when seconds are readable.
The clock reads 10,46,13
